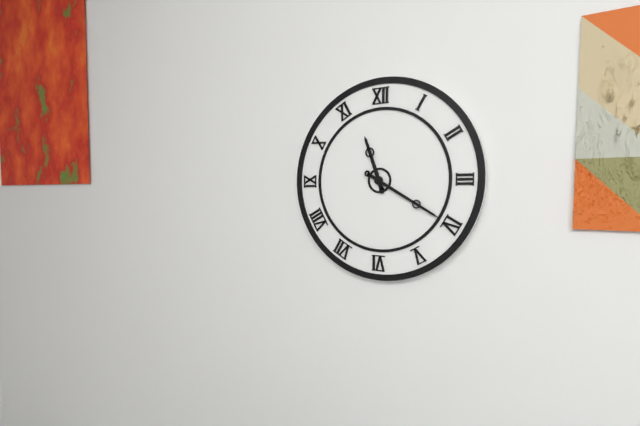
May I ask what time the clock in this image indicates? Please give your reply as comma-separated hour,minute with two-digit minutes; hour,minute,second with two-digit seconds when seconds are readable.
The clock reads 11,20
